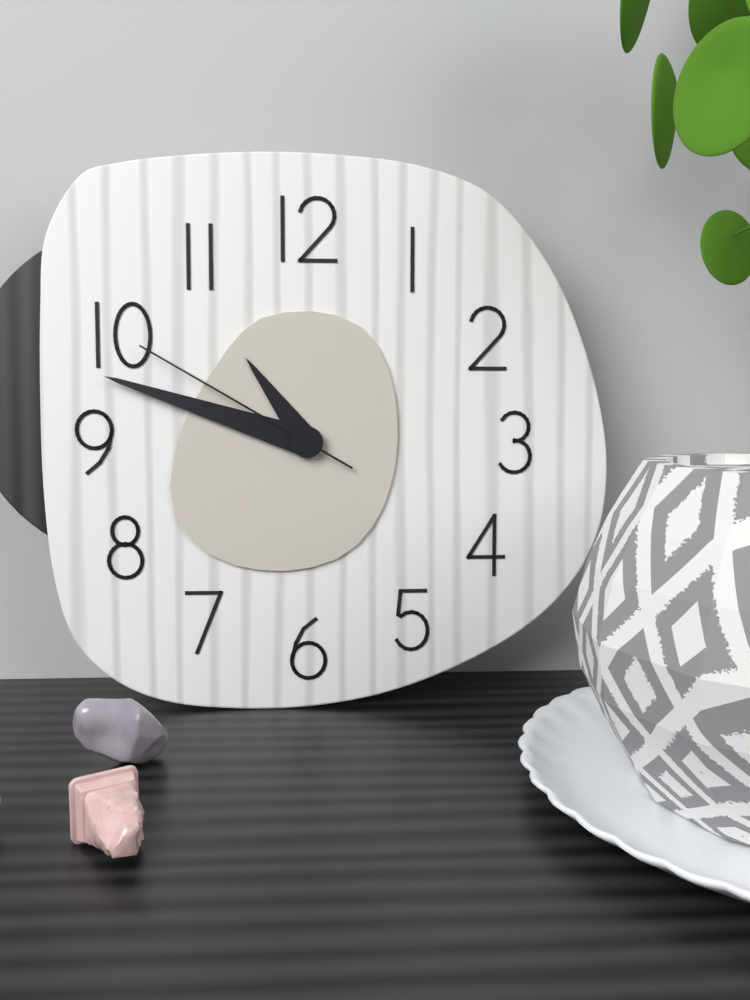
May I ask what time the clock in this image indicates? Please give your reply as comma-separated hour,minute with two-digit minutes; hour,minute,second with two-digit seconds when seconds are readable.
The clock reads 10,48,50
